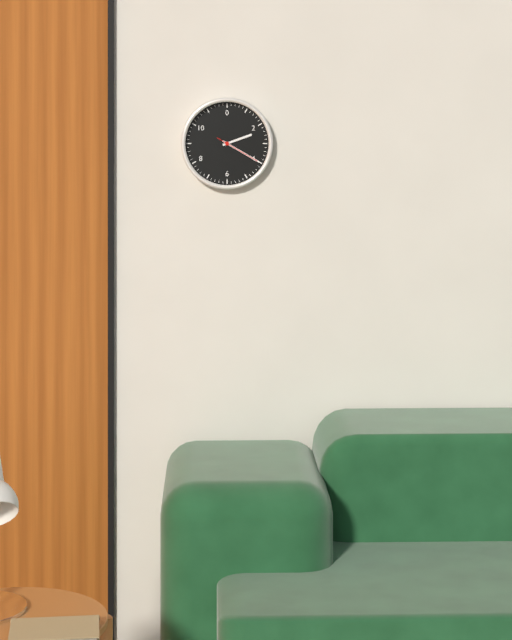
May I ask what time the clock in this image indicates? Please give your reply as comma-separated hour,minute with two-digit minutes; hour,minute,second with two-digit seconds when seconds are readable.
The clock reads 2,20
